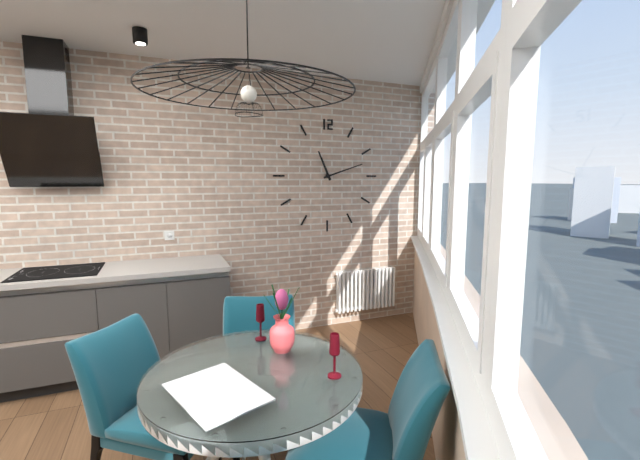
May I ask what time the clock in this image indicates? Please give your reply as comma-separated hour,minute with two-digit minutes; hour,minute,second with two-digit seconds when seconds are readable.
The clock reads 11,12
